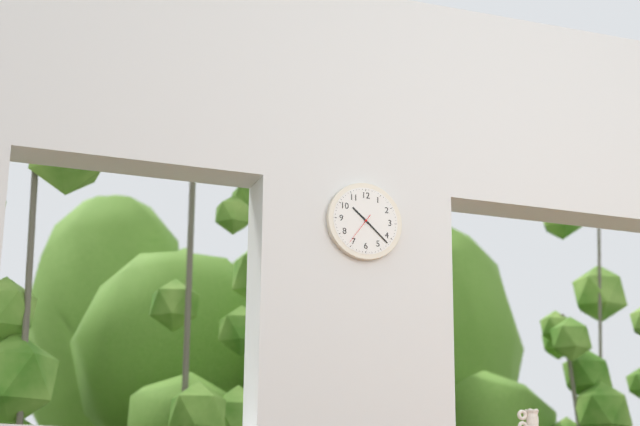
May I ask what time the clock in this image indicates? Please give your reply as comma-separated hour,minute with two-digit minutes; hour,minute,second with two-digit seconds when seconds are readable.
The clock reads 10,22
